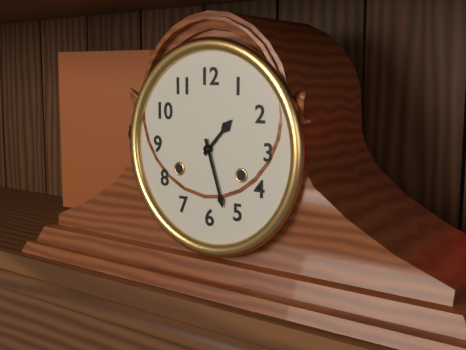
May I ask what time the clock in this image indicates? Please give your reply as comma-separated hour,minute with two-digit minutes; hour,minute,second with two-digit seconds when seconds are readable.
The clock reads 1,27
